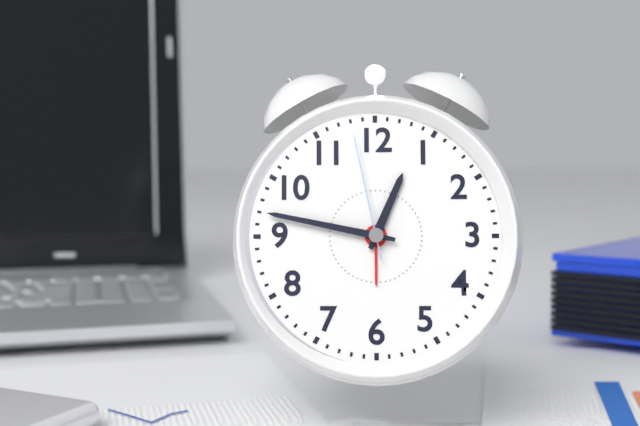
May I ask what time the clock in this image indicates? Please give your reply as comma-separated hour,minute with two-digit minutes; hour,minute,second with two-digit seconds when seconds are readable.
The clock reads 12,47,58
